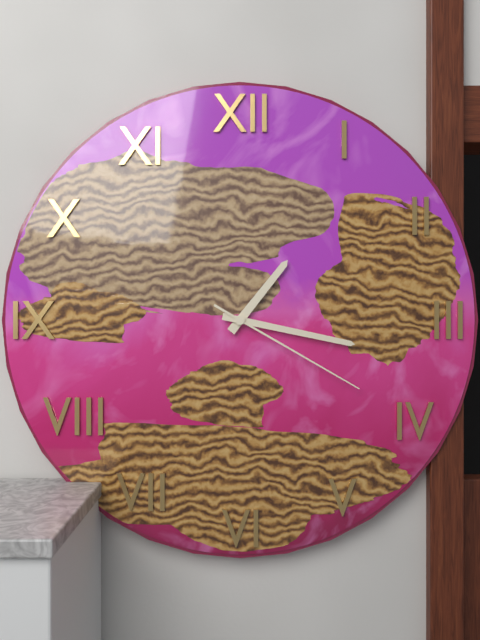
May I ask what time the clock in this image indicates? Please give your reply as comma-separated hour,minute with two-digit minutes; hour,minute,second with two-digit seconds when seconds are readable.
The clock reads 1,17,20
